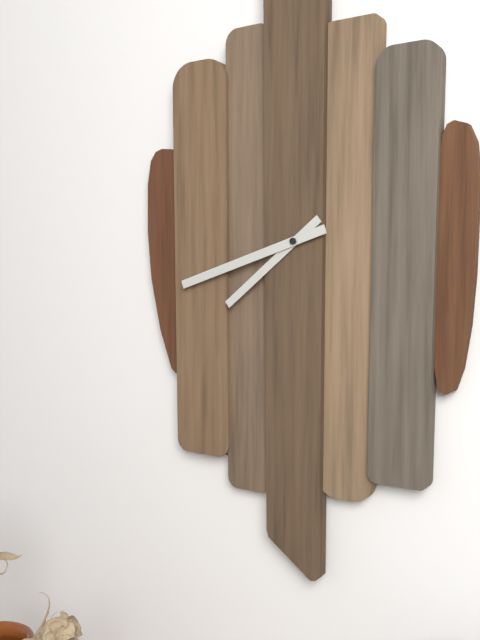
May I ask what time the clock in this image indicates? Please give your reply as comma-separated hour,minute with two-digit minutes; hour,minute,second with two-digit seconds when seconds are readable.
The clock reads 7,42
